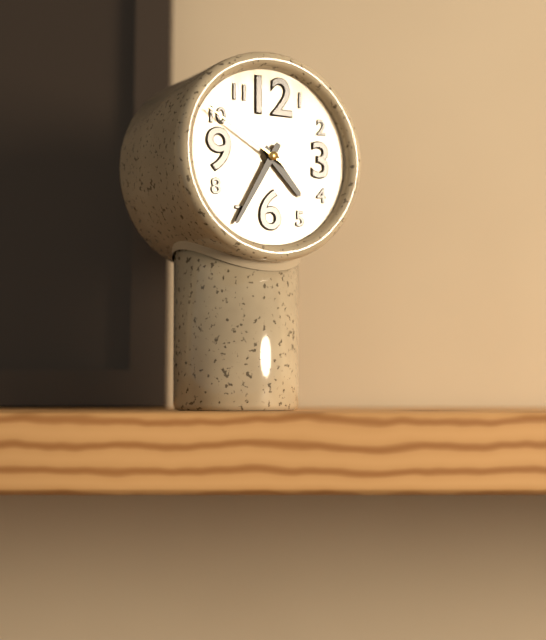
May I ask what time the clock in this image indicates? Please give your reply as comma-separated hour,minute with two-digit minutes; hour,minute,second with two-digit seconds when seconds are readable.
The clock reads 4,35,50
